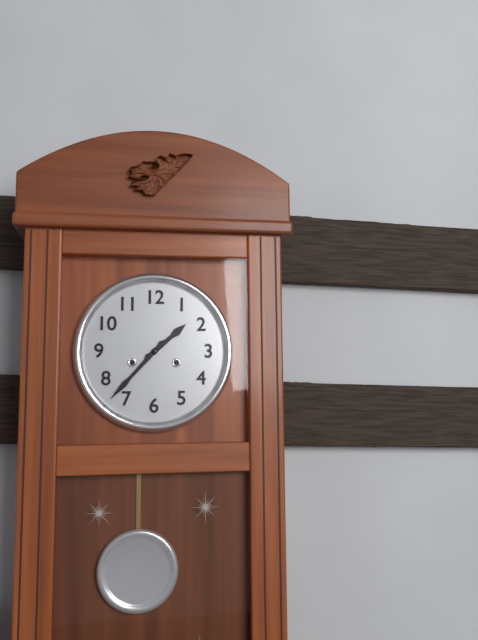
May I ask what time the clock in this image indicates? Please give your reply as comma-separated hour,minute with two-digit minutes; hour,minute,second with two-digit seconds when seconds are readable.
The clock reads 1,37
